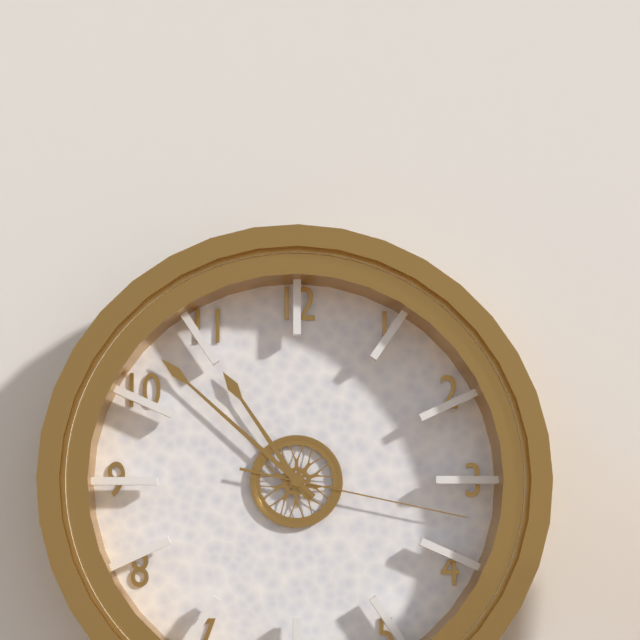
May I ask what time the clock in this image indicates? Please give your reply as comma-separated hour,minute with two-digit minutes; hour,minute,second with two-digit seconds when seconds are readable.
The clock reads 10,52,17
